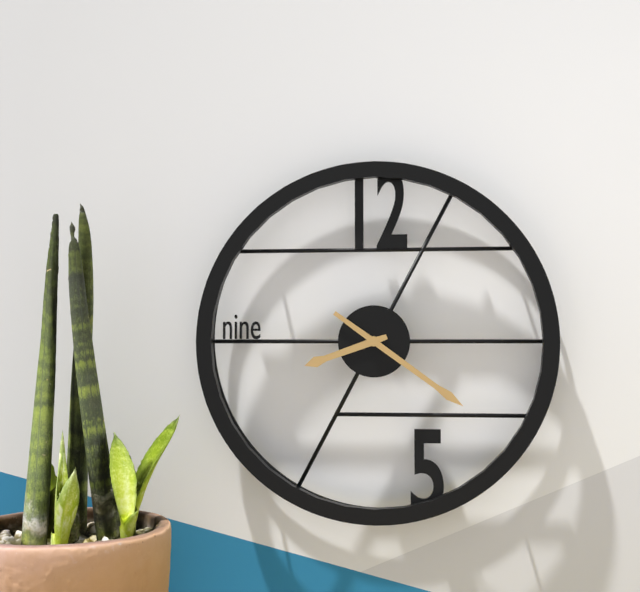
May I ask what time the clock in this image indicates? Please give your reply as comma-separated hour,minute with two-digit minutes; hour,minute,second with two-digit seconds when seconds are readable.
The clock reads 8,21
